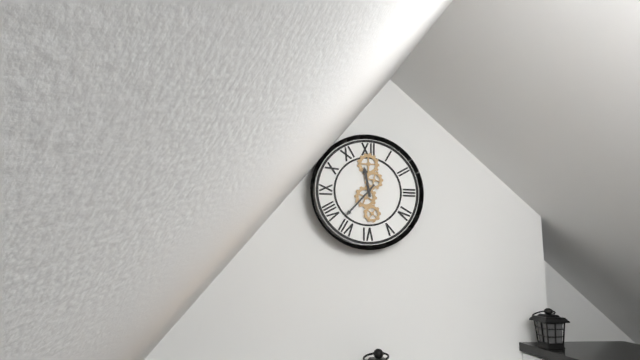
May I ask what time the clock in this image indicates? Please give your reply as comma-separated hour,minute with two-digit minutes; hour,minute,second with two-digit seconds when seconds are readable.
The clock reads 11,37
